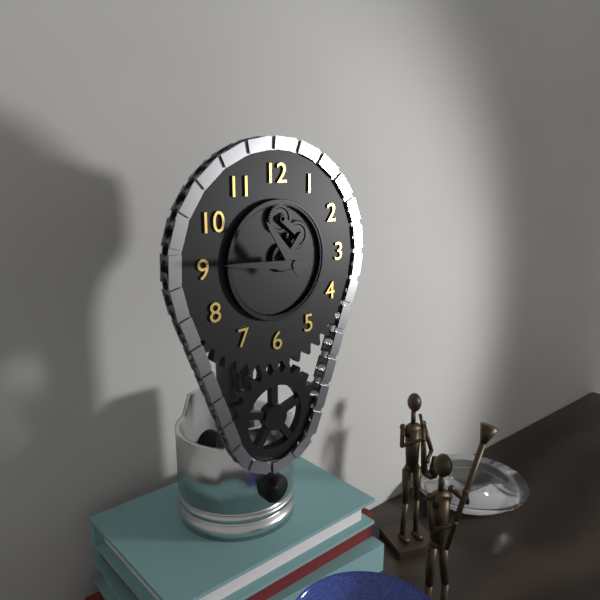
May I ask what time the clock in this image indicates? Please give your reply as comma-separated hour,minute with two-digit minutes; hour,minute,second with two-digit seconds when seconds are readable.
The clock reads 10,46
